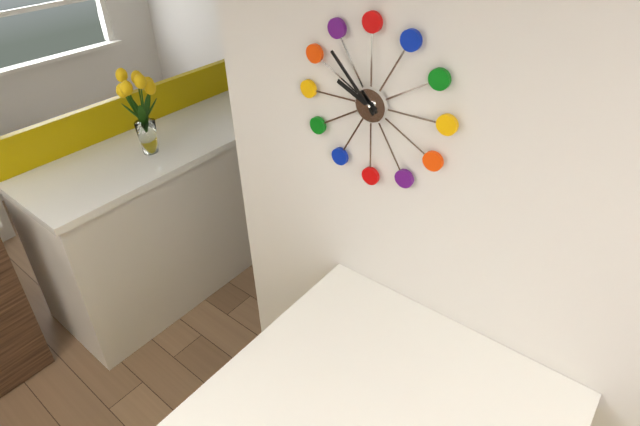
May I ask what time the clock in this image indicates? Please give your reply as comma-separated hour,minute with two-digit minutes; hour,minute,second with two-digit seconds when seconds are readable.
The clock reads 9,53
